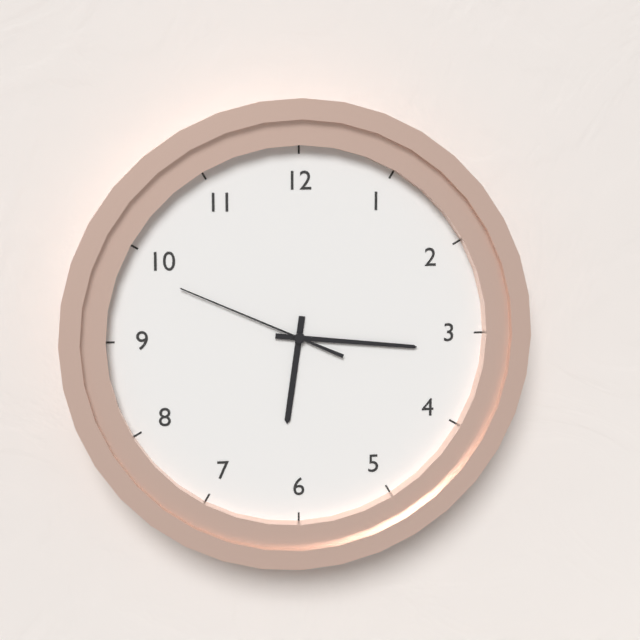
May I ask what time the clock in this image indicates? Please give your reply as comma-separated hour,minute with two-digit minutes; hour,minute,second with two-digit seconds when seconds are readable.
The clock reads 6,16,49
